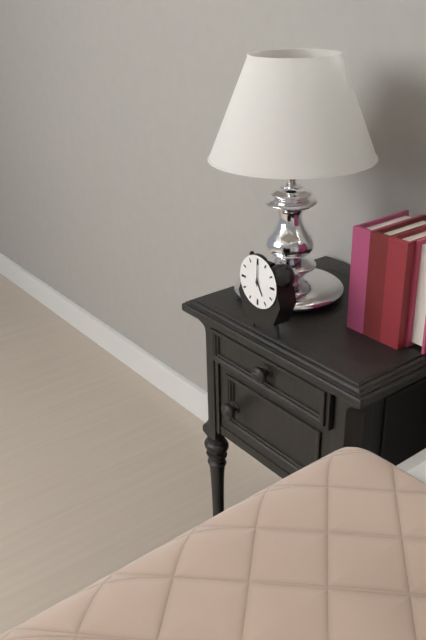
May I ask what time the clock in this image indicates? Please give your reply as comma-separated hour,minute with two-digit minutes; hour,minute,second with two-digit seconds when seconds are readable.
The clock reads 5,00
